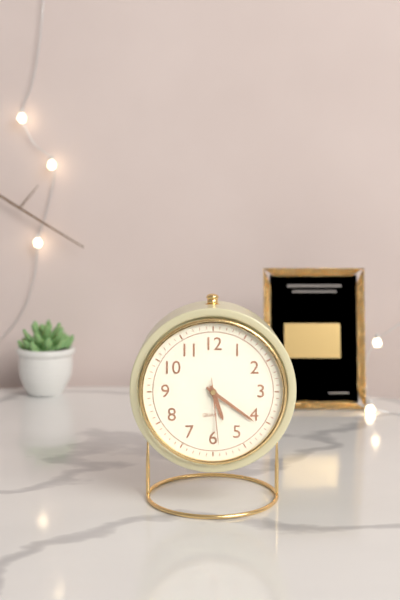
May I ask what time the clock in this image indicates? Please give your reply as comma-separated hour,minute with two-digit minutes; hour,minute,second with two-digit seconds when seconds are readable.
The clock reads 5,21,29
